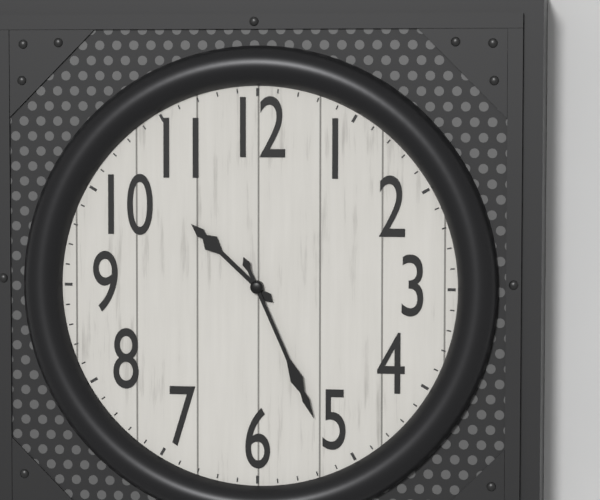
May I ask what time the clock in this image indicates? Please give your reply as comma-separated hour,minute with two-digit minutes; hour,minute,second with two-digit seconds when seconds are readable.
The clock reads 10,26
